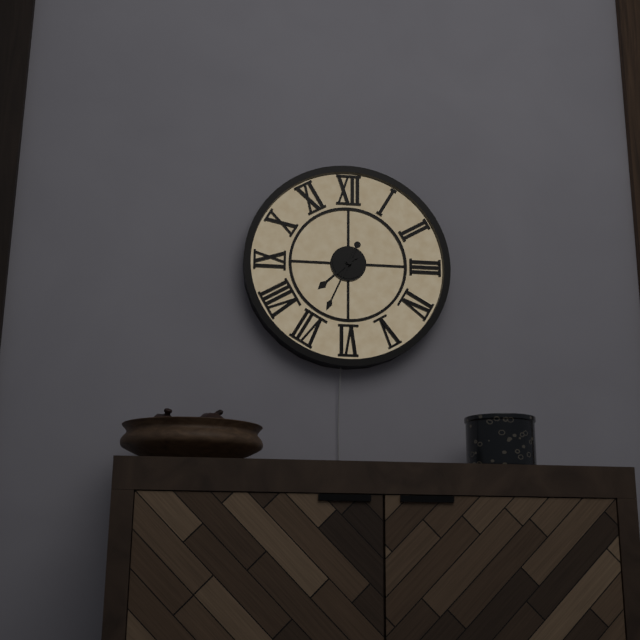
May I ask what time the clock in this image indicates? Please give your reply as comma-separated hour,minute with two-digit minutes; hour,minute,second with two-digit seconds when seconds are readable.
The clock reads 7,34
